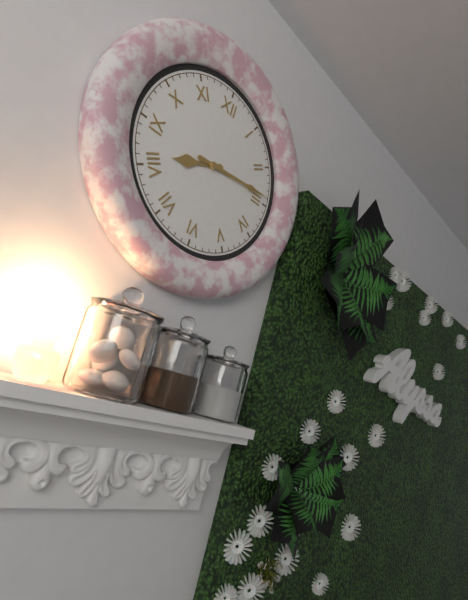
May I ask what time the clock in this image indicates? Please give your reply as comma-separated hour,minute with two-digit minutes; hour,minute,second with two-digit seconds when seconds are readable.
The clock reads 8,14
